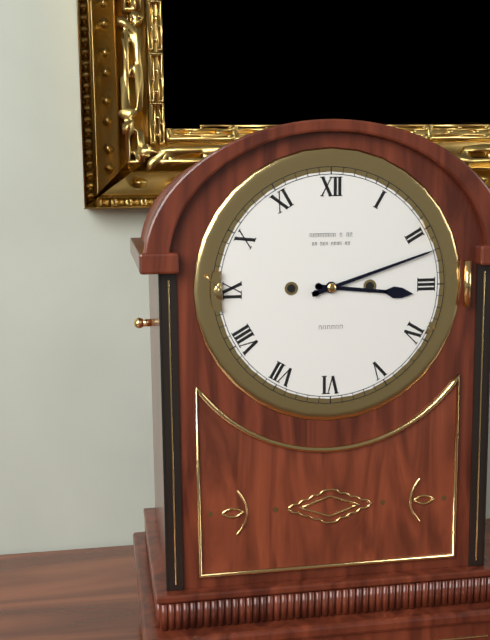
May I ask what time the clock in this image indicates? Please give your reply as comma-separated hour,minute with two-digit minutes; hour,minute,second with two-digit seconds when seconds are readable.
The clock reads 3,12
